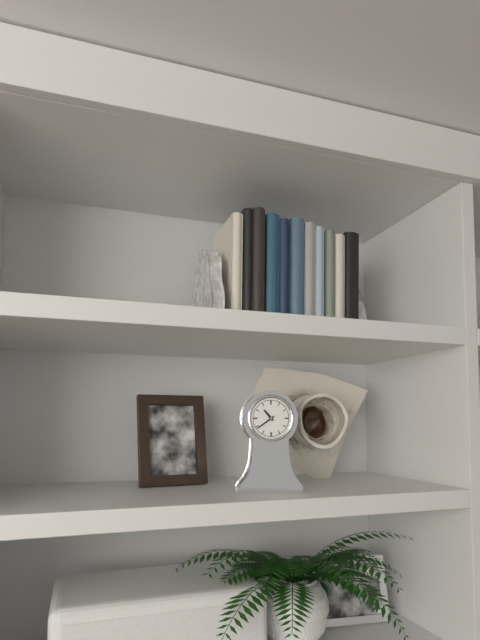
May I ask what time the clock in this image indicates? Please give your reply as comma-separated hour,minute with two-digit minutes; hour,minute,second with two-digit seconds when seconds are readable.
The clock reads 10,39
